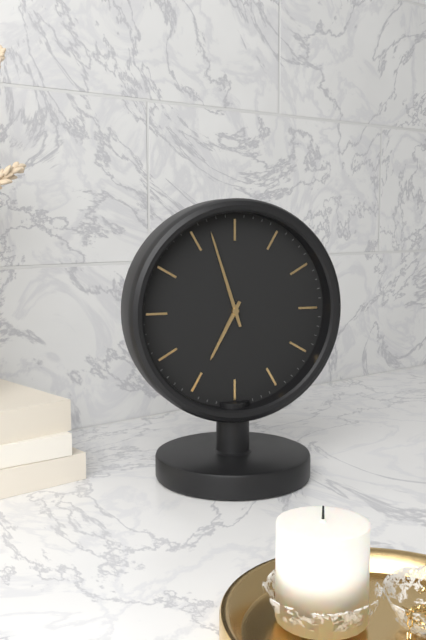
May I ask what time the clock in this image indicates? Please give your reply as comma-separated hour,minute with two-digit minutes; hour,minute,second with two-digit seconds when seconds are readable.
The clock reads 6,57
